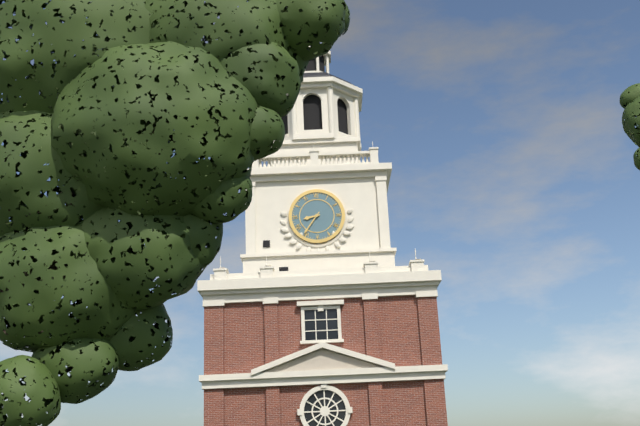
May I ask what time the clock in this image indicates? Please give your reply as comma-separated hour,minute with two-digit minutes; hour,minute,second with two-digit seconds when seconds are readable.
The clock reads 8,36
